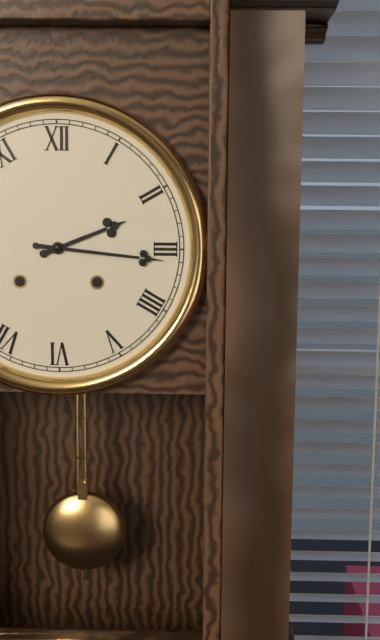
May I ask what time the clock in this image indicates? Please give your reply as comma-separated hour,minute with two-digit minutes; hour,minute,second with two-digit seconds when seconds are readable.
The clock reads 2,16
